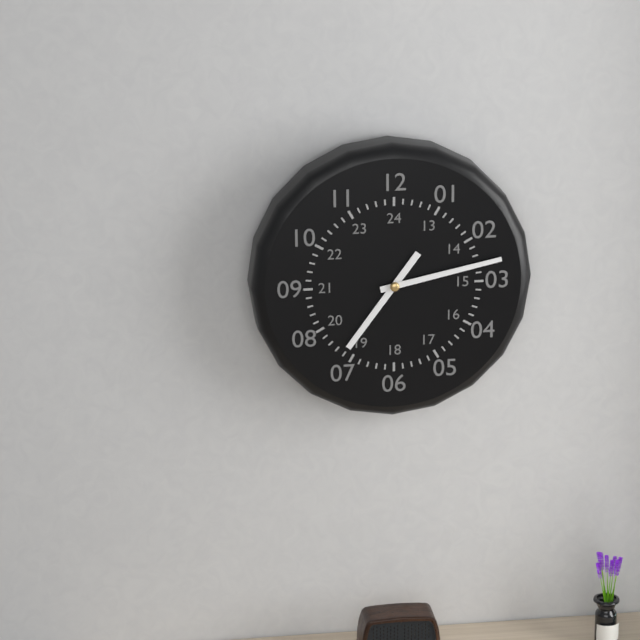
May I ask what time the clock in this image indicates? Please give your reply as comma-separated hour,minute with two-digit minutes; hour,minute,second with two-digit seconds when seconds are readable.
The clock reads 7,13
